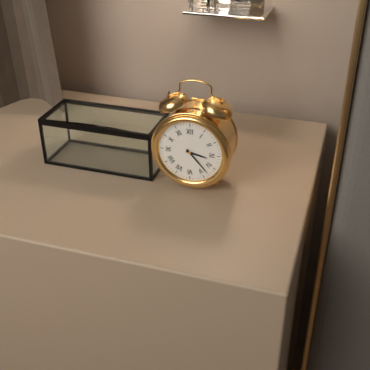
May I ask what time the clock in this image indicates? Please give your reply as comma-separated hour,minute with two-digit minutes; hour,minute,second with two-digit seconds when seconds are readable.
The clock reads 3,23
